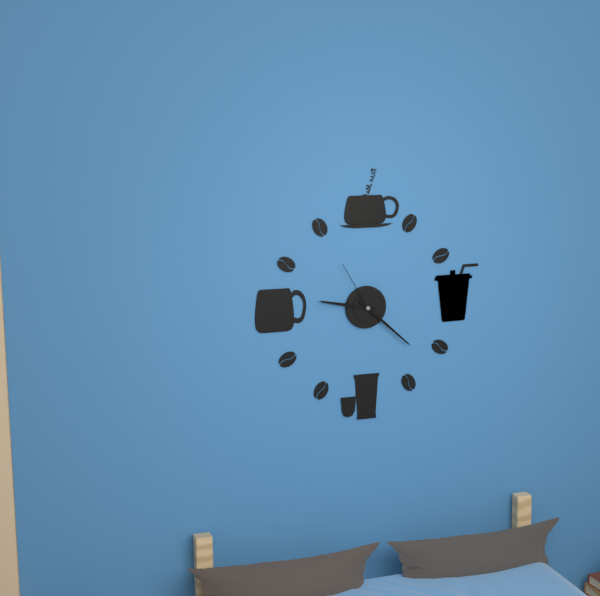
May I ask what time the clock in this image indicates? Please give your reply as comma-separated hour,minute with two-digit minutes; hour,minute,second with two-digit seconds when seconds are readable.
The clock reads 9,22,55
